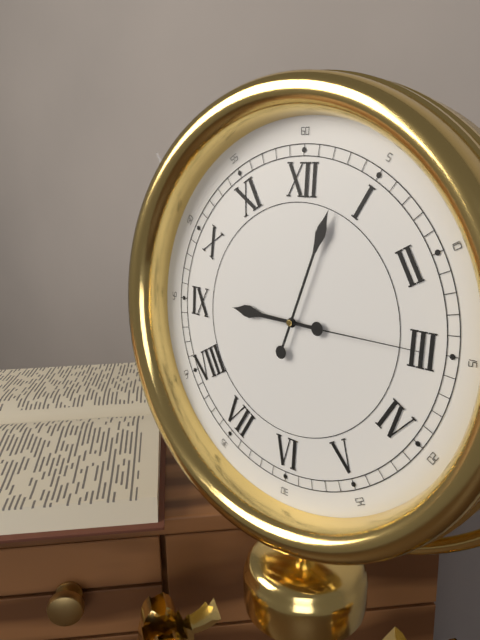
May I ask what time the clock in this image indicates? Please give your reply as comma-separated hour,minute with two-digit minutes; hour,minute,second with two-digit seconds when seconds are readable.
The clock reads 9,03,15
